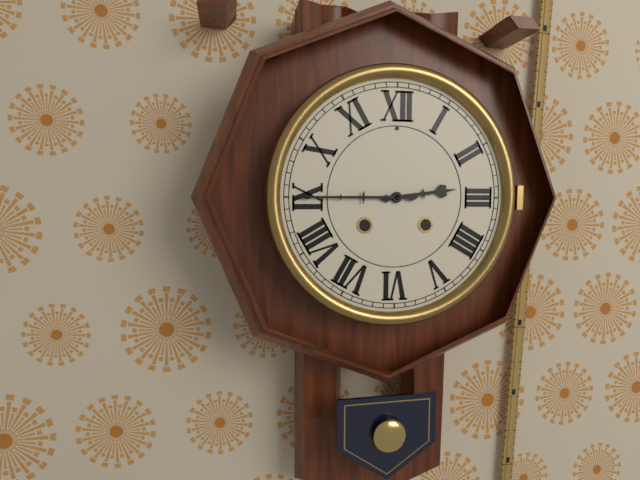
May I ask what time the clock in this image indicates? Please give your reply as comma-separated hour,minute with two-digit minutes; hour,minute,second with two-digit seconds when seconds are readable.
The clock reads 2,45
